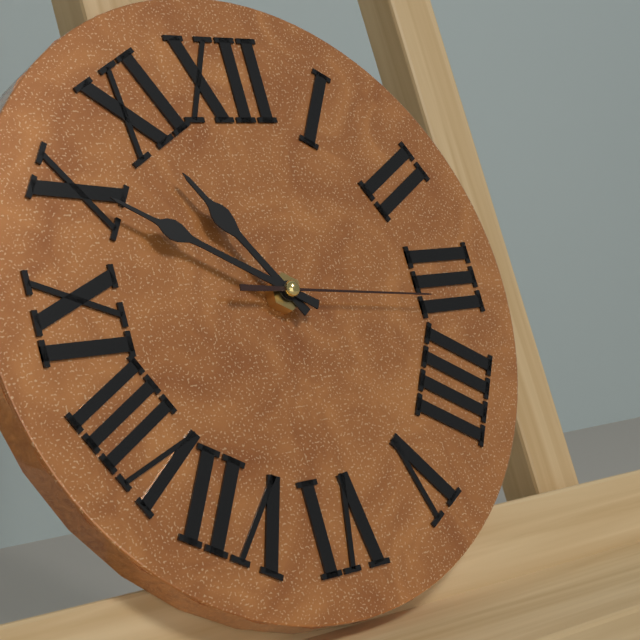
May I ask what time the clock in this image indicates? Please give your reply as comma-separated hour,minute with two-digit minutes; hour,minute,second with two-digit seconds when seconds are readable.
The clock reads 10,50,16
